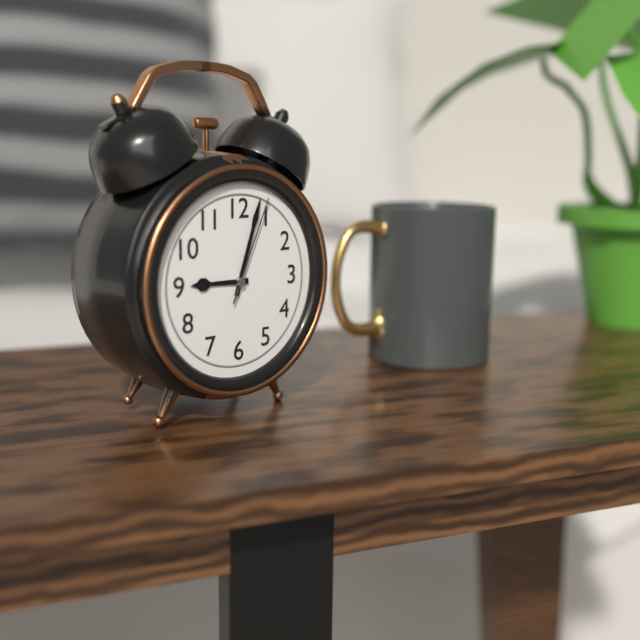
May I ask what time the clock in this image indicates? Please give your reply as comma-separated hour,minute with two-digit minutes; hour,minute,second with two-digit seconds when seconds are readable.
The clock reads 9,03,04
